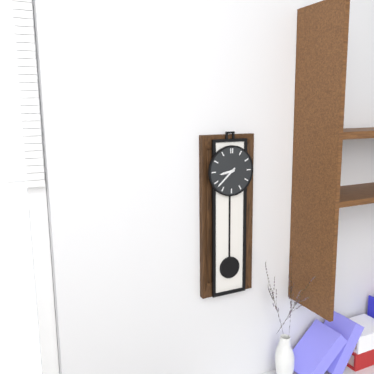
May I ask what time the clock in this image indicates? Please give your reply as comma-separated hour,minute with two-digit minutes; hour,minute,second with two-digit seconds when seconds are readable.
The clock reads 8,38
